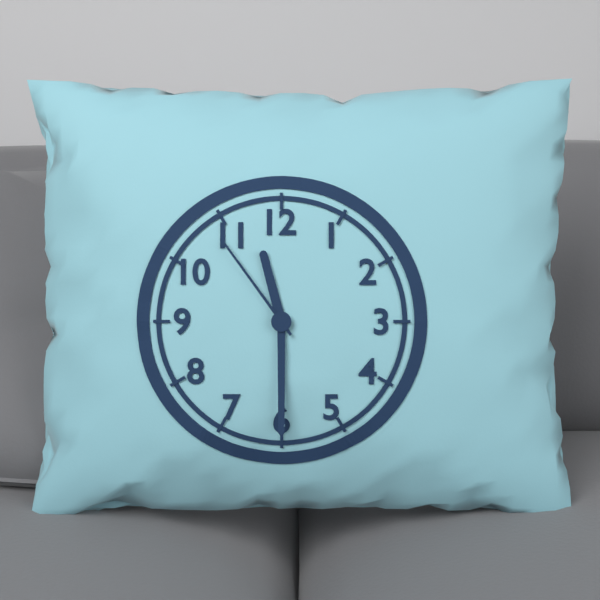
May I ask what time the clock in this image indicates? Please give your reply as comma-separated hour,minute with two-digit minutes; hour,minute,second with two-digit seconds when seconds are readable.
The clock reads 11,30,54
